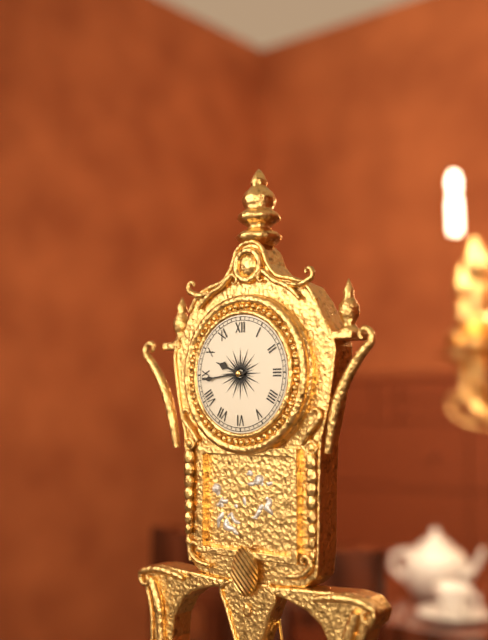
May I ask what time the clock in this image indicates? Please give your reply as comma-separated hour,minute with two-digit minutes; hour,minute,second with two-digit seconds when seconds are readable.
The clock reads 9,44
